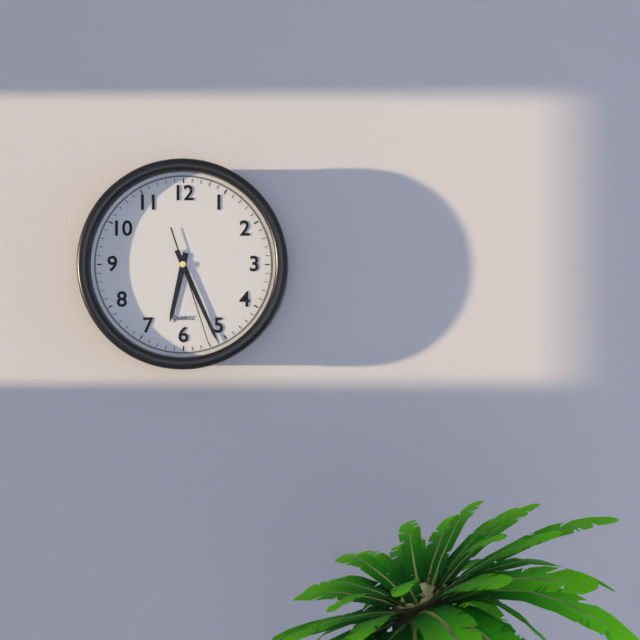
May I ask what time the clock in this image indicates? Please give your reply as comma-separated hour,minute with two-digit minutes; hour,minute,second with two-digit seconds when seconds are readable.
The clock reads 6,26,27
